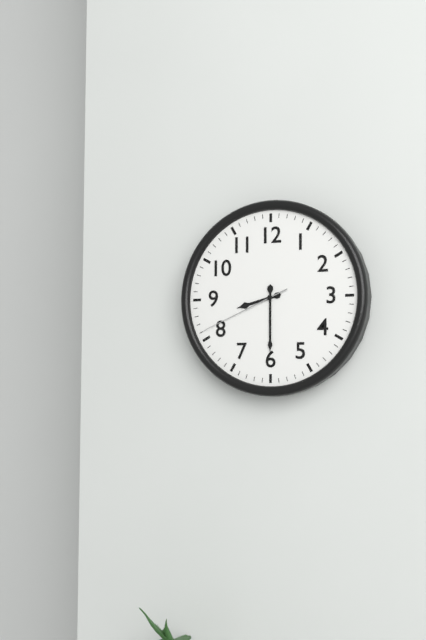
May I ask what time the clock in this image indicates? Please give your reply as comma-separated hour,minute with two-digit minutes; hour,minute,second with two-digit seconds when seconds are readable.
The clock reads 8,30,41
